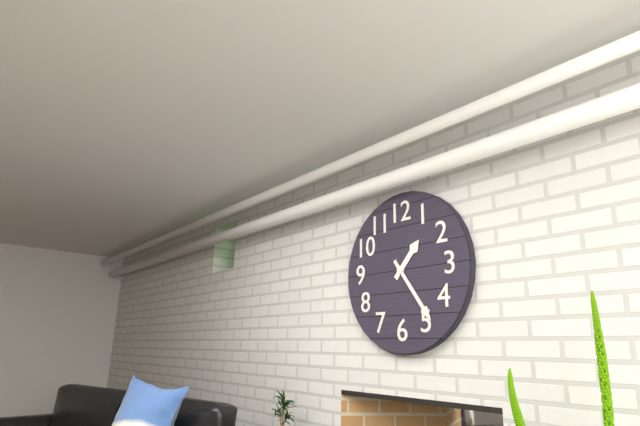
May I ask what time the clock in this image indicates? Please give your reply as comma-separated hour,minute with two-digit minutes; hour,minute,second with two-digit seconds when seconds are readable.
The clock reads 1,24
